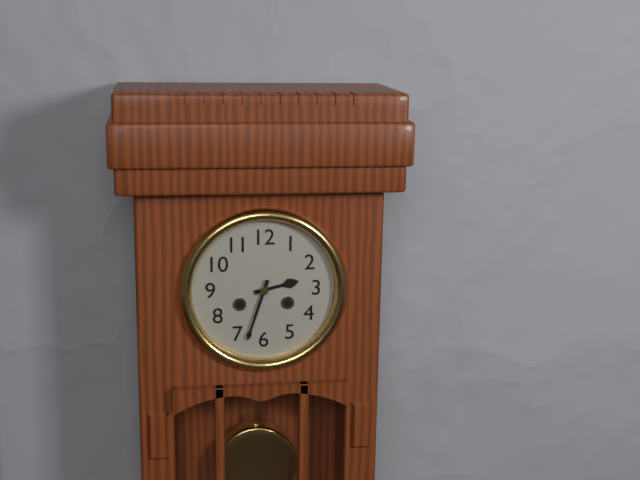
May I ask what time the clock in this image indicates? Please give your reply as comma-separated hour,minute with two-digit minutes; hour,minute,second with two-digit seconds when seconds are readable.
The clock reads 2,33
